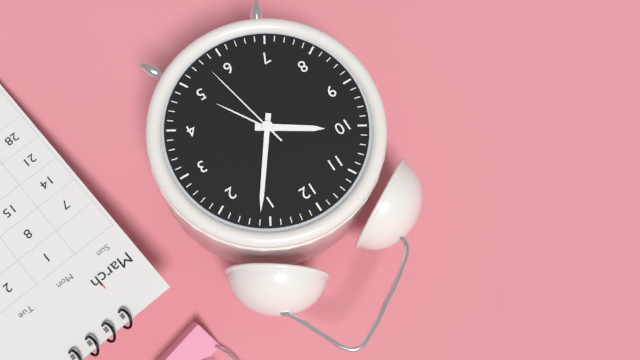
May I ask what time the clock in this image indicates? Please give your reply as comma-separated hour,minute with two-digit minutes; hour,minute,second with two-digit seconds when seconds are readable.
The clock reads 10,06,28
